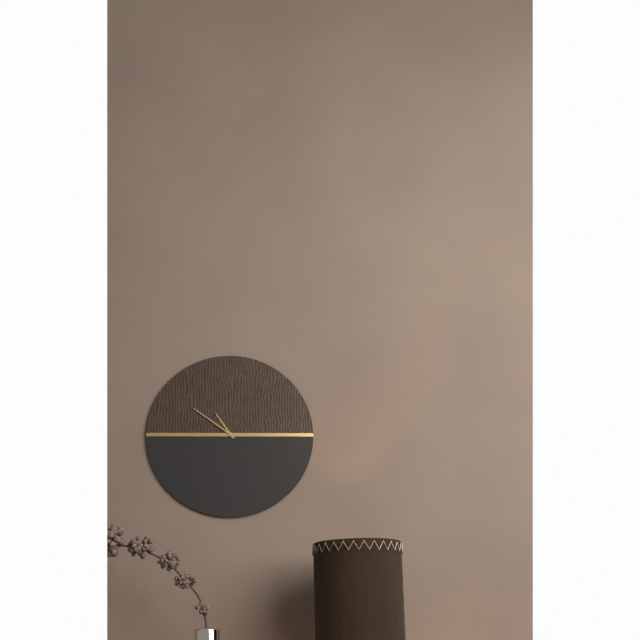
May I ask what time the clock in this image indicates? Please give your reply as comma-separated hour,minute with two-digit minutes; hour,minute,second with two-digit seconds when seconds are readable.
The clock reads 10,51
